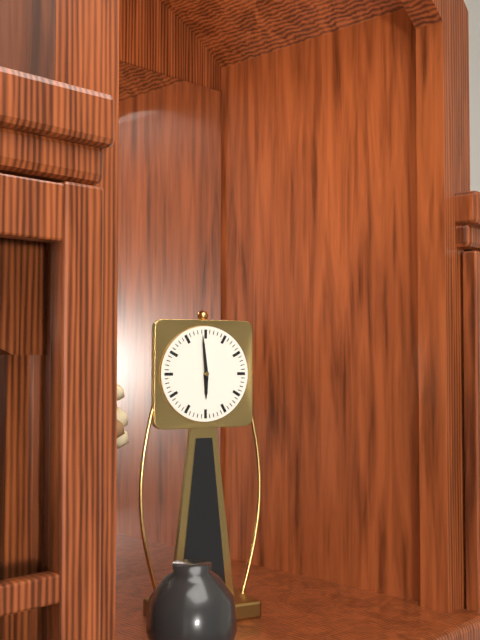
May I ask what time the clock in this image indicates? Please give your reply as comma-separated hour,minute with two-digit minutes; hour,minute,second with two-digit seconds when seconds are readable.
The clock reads 5,59
